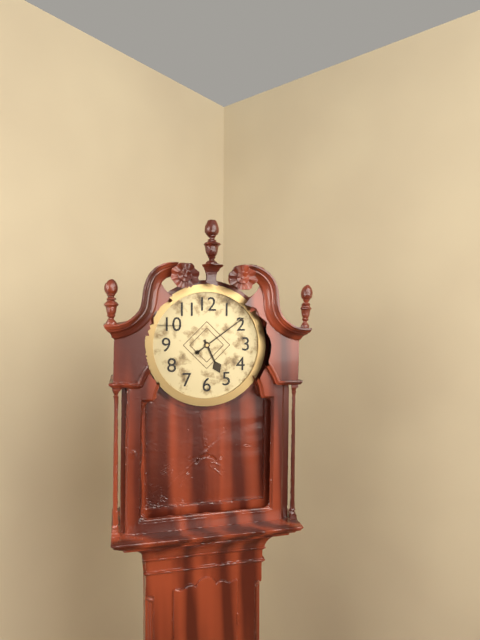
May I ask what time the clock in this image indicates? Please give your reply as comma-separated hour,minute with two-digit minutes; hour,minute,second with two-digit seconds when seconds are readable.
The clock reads 5,09
